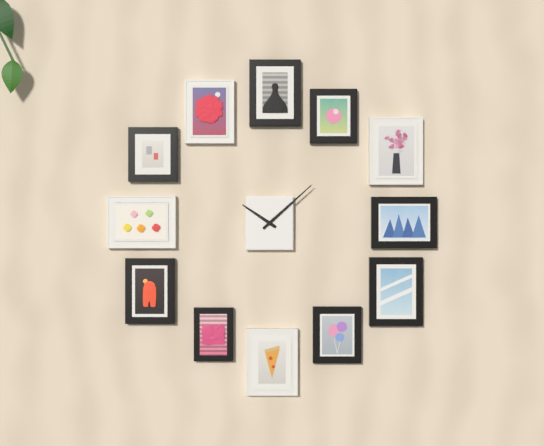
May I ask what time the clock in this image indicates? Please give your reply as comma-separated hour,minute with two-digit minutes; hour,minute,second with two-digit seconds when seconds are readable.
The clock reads 10,08
